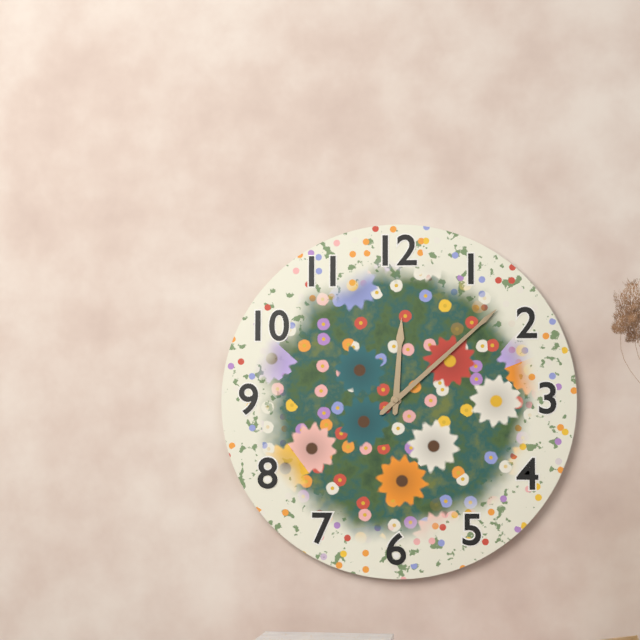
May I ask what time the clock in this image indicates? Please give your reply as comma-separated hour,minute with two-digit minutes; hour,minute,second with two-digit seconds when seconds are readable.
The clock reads 12,08
